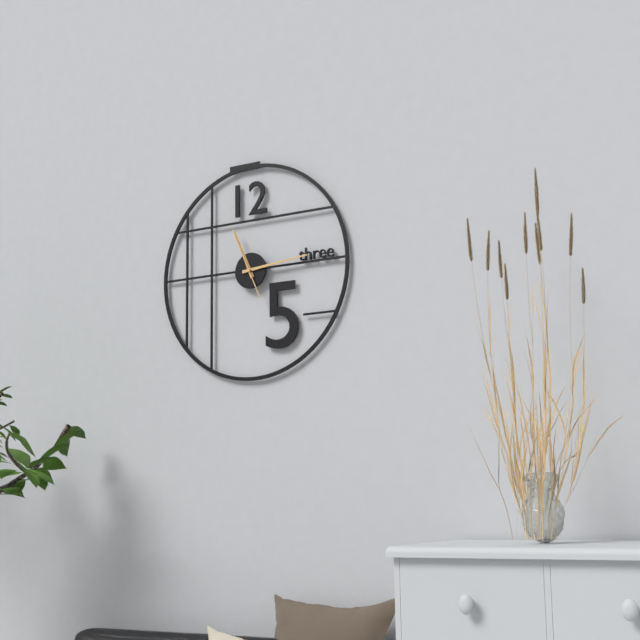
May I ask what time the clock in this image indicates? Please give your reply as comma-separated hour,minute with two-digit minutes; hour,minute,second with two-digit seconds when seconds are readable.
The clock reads 11,14,56
